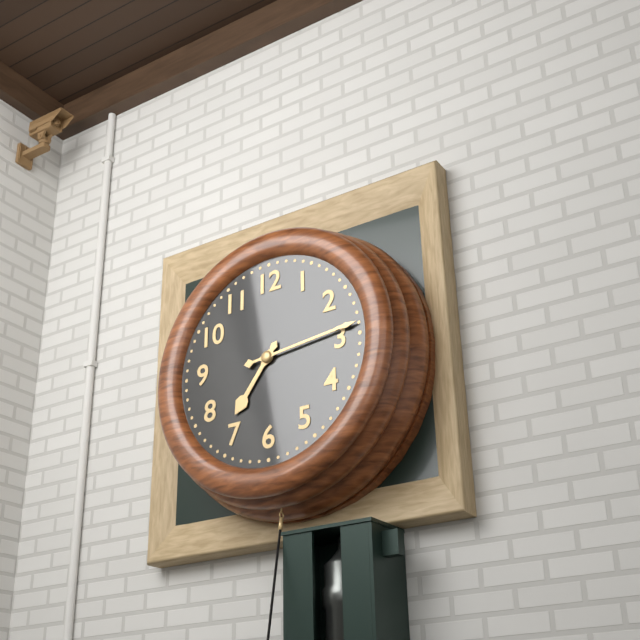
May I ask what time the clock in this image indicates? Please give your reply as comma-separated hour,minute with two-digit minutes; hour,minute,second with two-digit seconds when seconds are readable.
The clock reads 7,14
